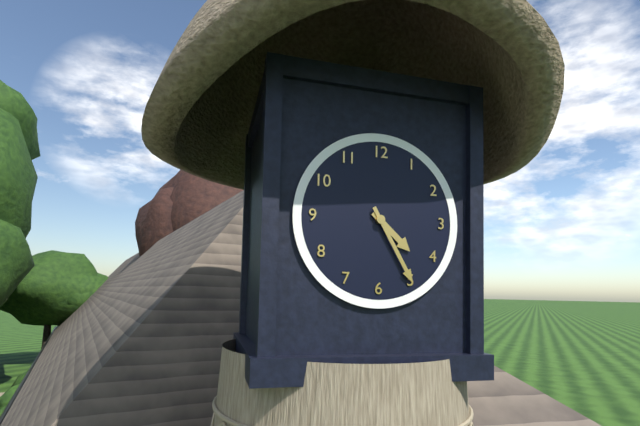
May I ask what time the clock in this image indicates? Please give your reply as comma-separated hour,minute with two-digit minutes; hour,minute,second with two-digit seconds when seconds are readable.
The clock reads 4,25
